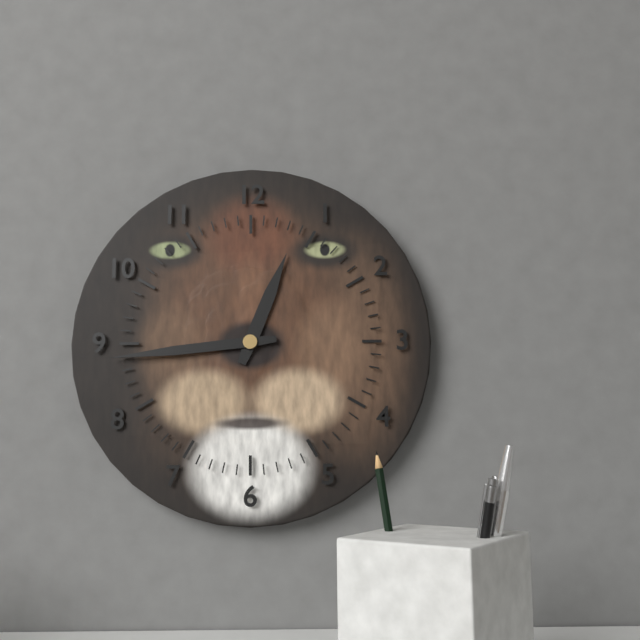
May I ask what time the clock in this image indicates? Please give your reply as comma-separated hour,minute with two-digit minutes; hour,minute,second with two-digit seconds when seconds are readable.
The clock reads 12,44
